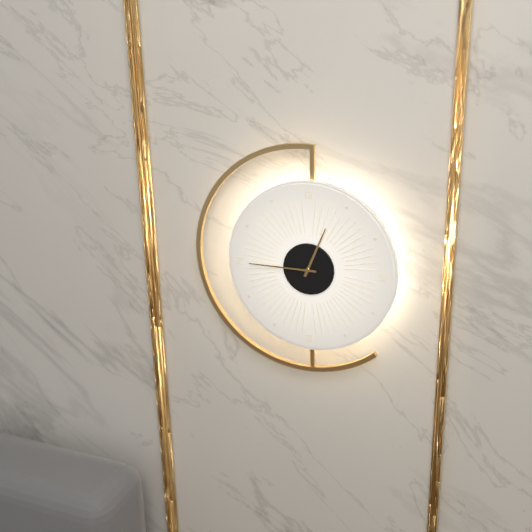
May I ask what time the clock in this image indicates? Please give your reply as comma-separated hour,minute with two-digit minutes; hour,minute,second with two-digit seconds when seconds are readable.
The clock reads 12,45
